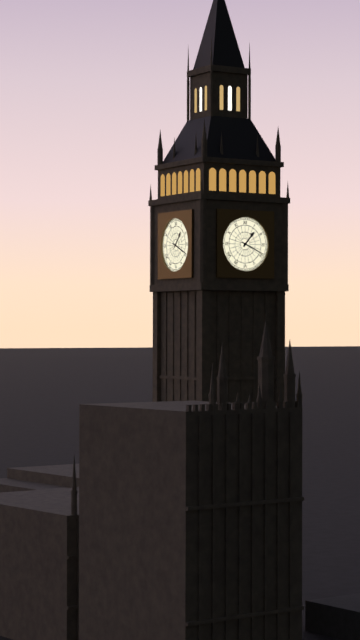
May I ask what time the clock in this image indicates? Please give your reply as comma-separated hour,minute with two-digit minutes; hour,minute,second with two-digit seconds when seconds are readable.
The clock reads 1,19
